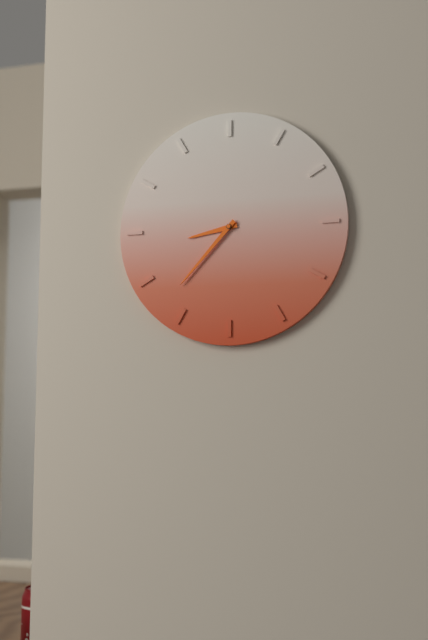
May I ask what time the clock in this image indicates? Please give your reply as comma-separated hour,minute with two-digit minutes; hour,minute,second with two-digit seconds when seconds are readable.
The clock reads 8,37
